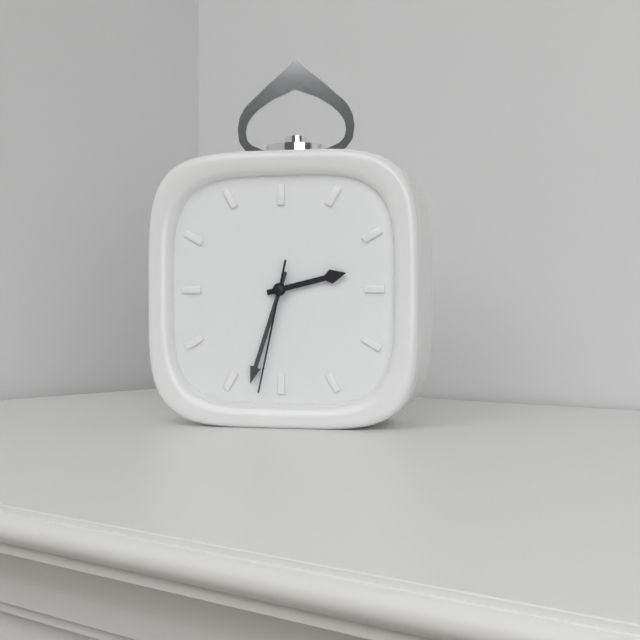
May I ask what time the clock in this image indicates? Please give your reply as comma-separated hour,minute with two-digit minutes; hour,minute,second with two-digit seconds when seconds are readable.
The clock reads 2,33,32
